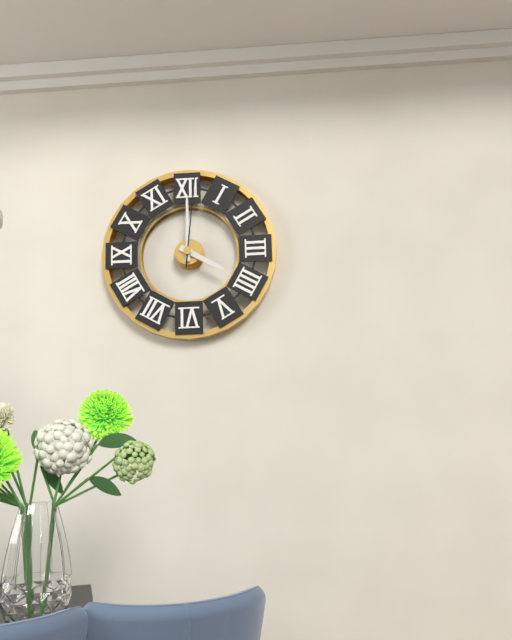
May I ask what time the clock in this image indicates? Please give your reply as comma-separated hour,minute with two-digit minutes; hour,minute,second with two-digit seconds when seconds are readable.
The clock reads 4,00,01
